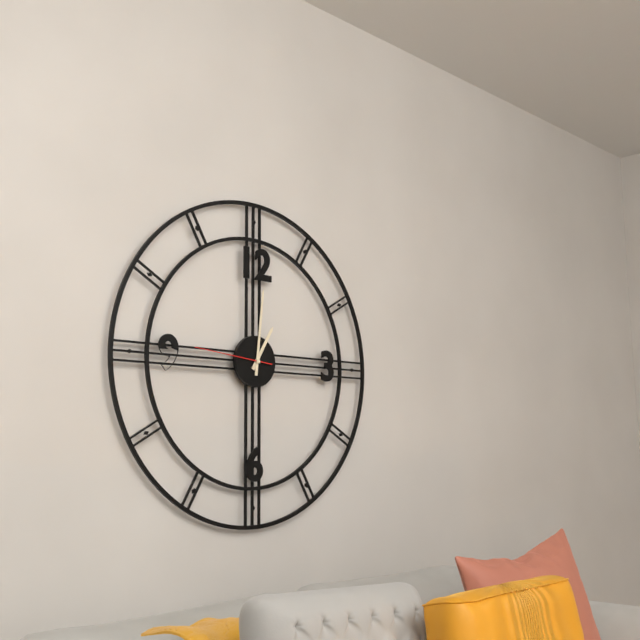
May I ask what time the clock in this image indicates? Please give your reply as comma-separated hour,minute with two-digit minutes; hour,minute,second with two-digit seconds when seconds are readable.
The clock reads 1,01,46
